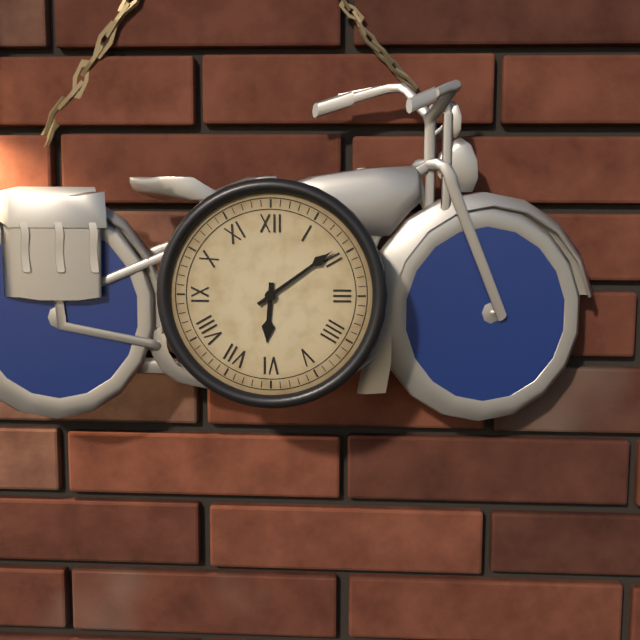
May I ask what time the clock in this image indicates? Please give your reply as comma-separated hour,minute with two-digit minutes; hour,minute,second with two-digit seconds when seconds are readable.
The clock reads 6,09
